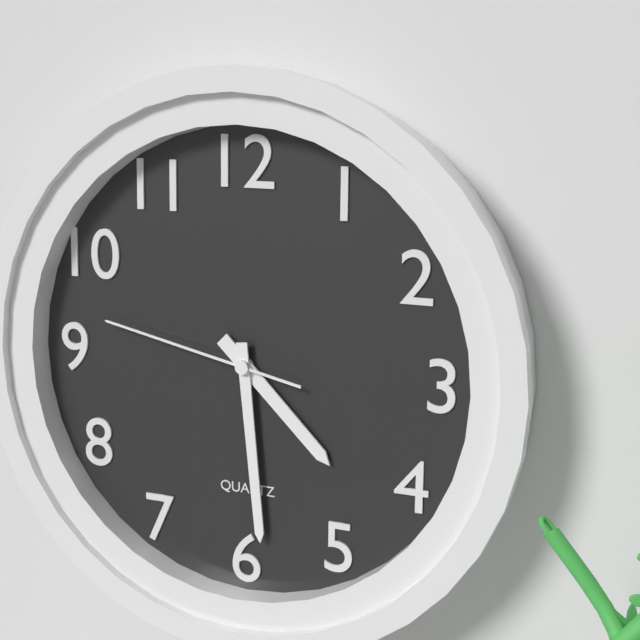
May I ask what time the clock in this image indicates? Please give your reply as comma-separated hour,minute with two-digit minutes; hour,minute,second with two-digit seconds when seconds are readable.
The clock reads 4,29,47
